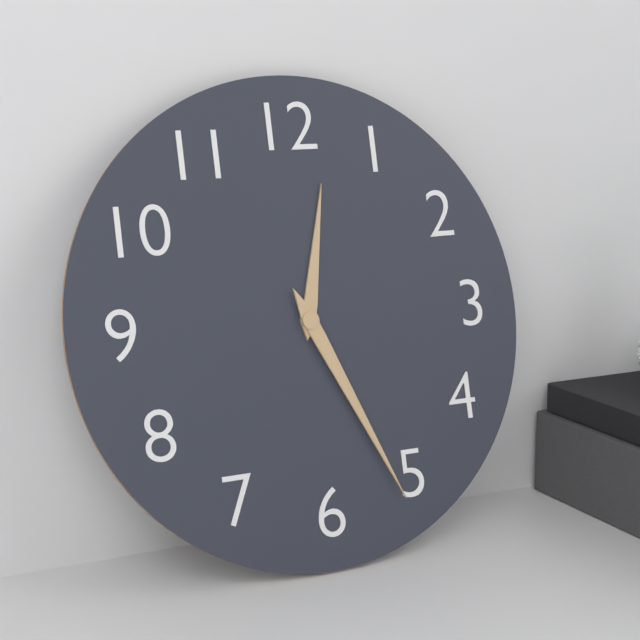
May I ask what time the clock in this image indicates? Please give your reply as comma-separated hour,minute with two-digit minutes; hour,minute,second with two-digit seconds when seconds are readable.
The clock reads 12,26
